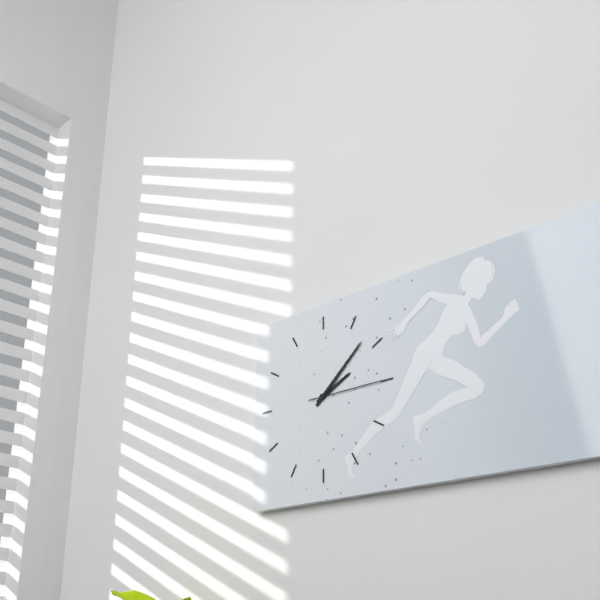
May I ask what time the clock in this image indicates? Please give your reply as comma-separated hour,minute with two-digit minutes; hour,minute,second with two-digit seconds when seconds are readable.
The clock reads 2,08,15
